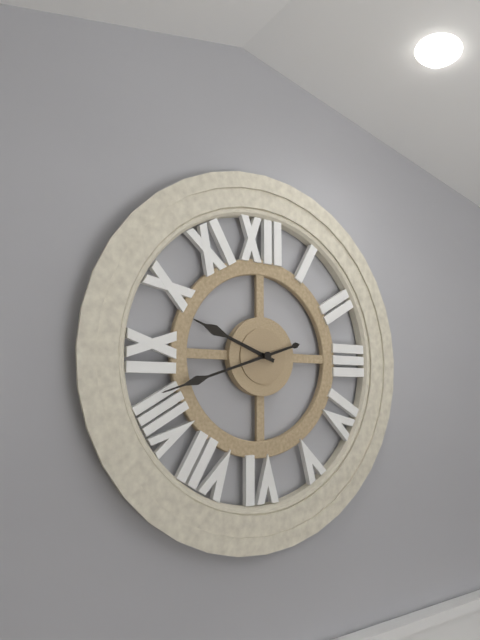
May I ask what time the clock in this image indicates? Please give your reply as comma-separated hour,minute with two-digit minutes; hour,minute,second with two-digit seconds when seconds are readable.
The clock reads 9,42
